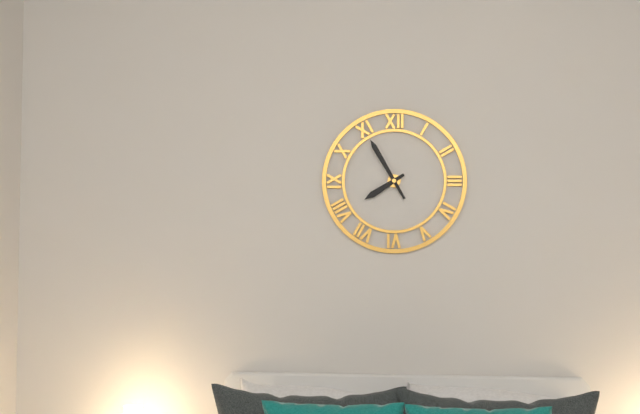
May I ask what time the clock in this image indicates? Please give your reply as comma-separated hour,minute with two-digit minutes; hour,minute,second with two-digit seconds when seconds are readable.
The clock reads 7,55
